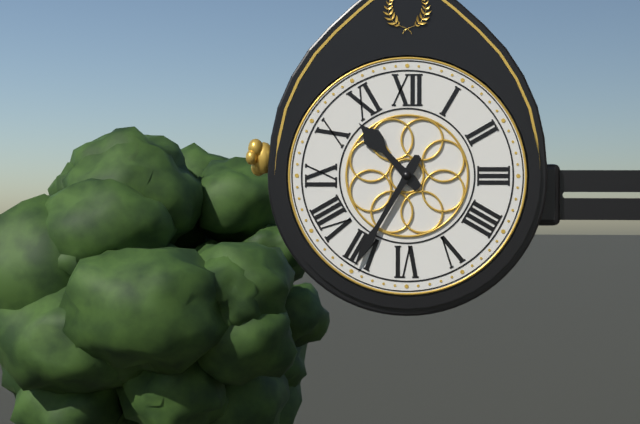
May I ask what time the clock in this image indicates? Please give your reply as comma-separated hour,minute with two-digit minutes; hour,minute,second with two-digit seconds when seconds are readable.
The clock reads 10,35
